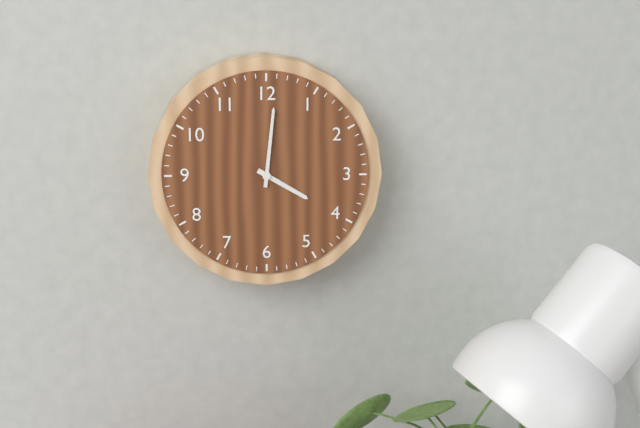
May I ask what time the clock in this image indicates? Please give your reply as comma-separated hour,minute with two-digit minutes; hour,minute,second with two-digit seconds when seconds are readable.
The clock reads 4,01
